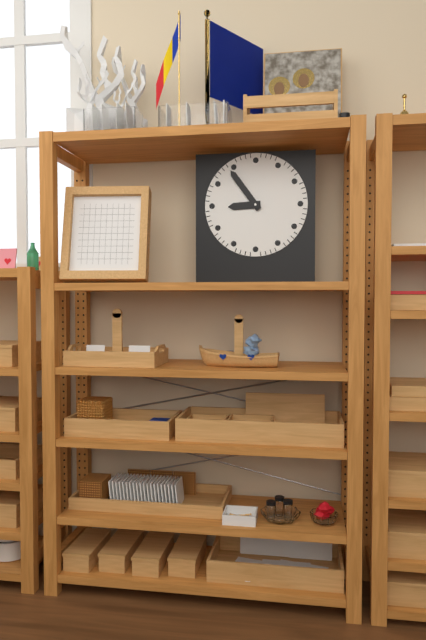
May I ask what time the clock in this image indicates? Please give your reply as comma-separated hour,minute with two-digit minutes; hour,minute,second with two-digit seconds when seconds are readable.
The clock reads 8,54
